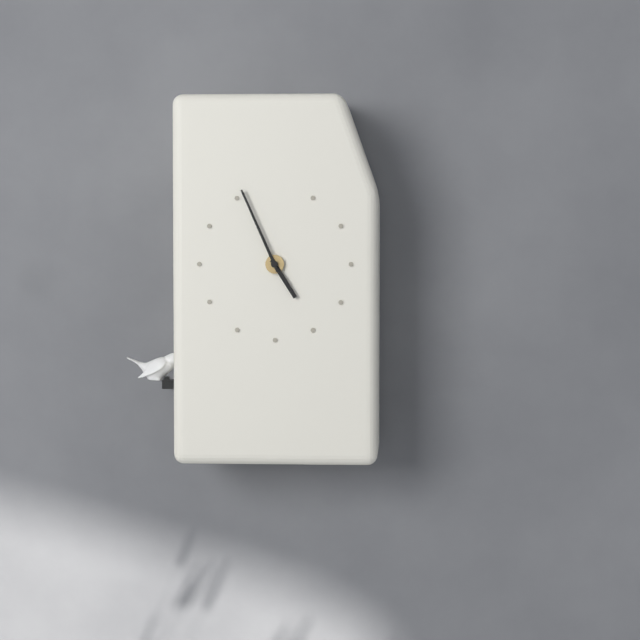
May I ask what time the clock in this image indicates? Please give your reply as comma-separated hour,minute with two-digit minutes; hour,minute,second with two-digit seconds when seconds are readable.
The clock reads 4,56
